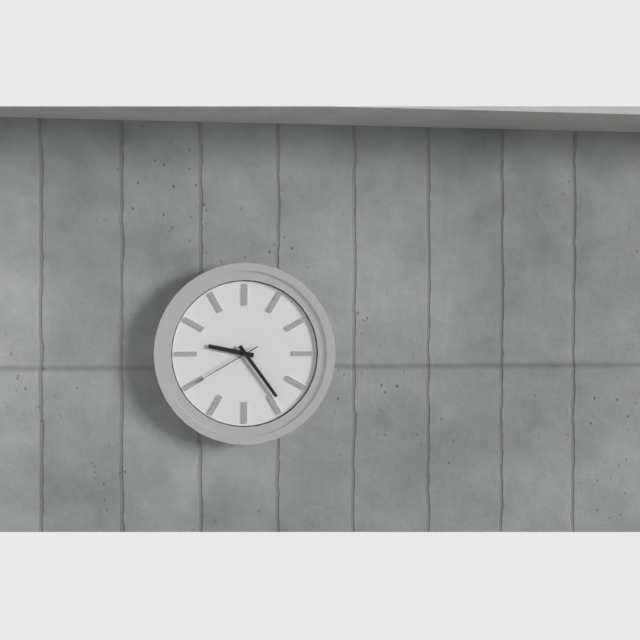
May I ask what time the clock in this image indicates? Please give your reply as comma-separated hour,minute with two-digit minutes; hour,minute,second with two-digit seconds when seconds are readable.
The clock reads 9,24,40
